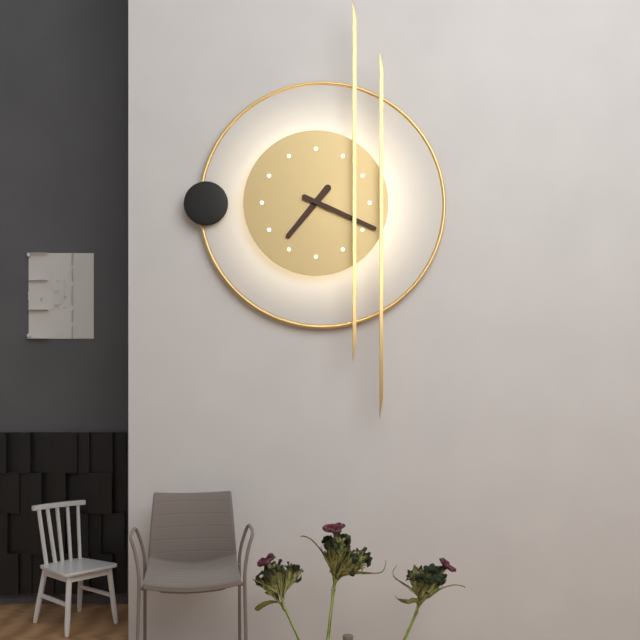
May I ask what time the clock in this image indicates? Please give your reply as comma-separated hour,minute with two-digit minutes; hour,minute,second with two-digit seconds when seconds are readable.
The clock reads 7,19
